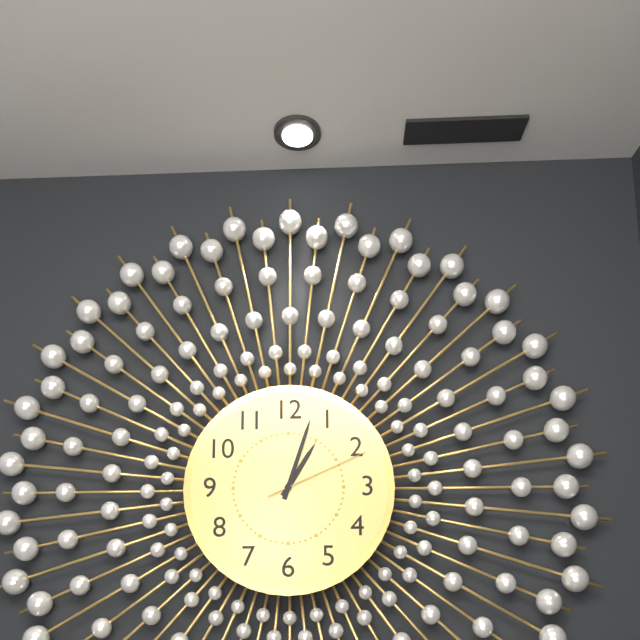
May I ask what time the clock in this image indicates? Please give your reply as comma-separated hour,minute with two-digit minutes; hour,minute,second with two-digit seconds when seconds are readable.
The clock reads 1,03,11
